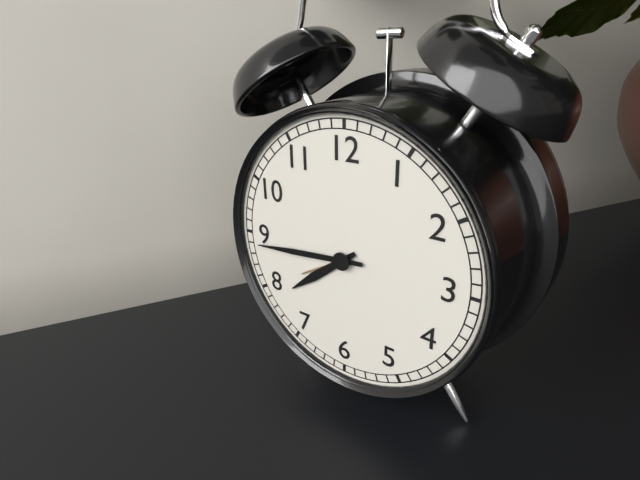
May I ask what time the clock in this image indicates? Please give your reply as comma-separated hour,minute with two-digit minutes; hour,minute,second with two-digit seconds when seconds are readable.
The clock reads 7,44
